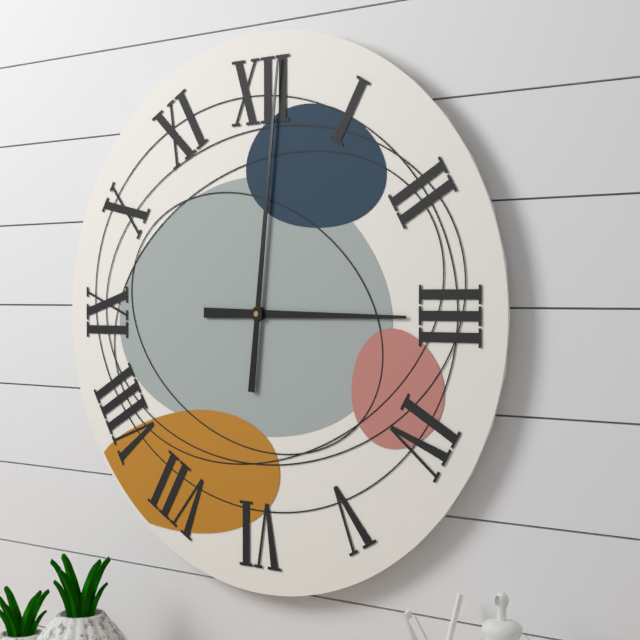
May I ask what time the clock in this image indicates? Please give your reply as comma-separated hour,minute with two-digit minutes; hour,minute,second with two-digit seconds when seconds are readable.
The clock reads 3,01
